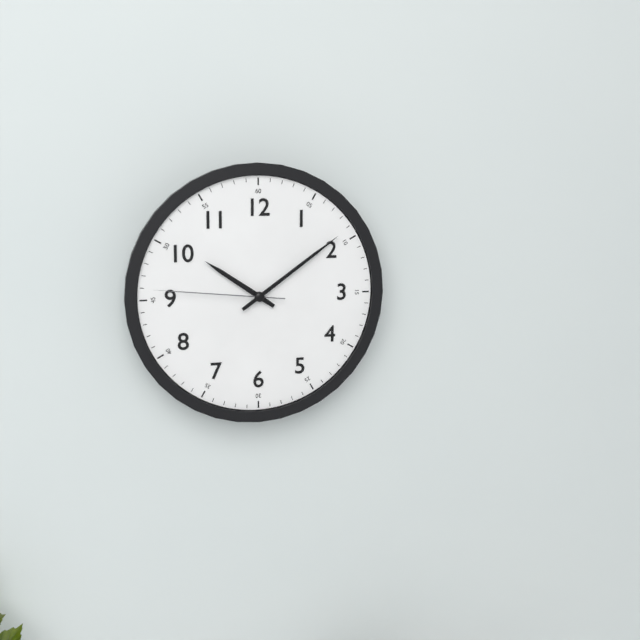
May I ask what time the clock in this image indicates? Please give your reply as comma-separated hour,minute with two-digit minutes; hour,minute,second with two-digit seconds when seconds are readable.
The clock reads 10,09,46
